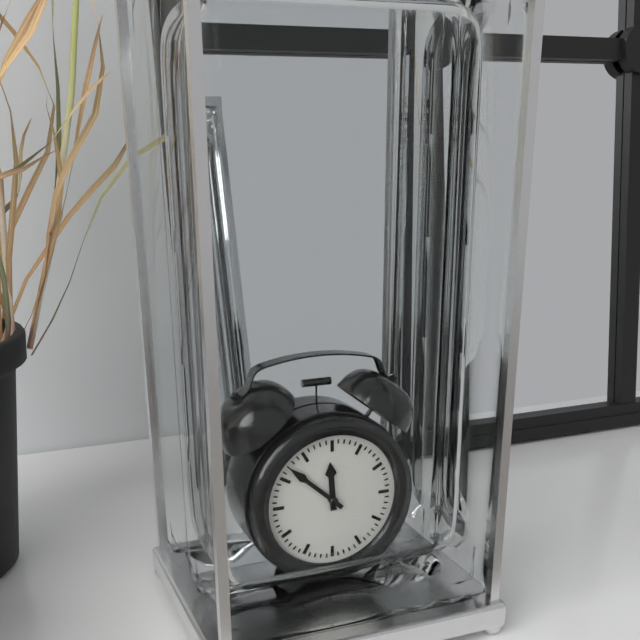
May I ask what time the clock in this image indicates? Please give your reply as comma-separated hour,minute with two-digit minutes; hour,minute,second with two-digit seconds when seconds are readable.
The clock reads 11,52
